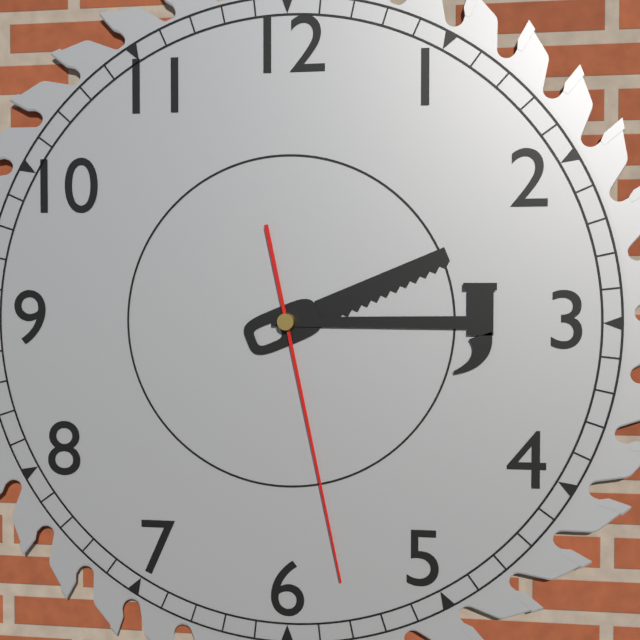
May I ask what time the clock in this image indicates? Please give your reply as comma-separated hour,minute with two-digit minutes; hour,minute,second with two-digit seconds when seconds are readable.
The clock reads 2,15,28
